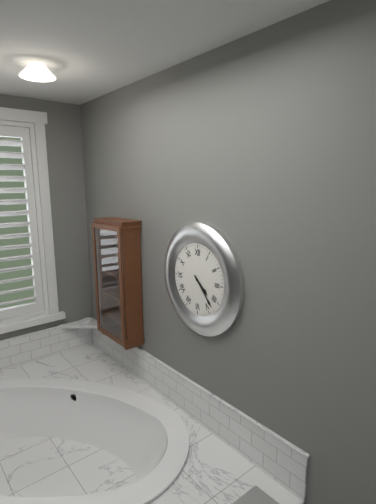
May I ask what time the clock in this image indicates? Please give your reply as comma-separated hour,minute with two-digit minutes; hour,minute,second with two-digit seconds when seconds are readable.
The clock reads 4,23
